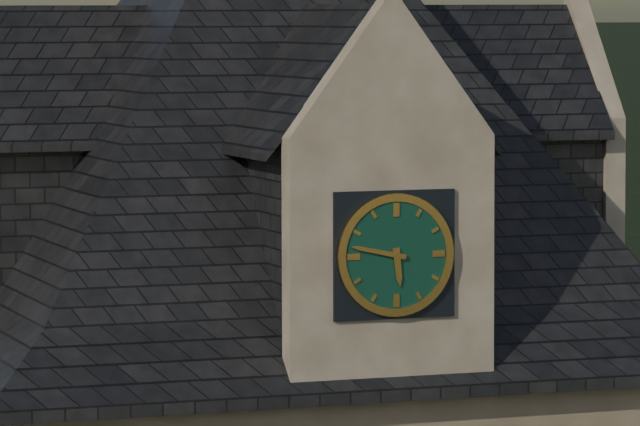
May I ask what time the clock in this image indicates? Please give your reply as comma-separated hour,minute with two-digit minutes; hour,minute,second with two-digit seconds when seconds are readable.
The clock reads 5,47
